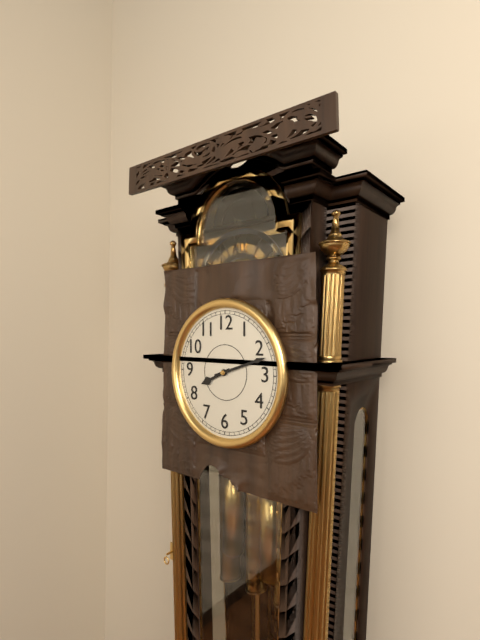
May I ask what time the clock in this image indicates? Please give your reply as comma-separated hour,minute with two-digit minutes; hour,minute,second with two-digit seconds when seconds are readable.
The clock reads 8,12
